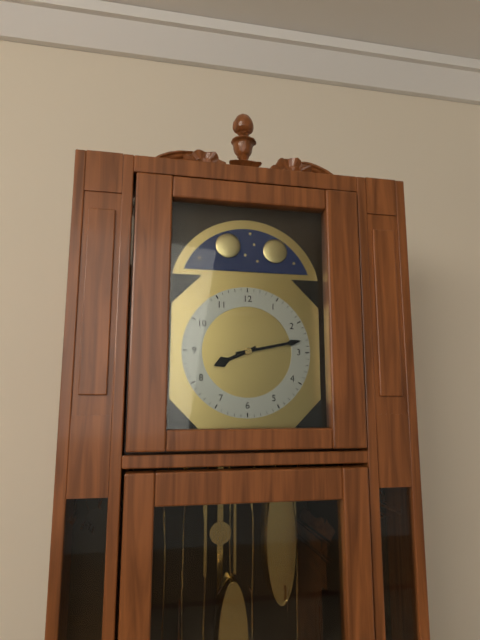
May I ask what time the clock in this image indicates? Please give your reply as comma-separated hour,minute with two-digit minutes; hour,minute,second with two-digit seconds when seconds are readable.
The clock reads 8,13
